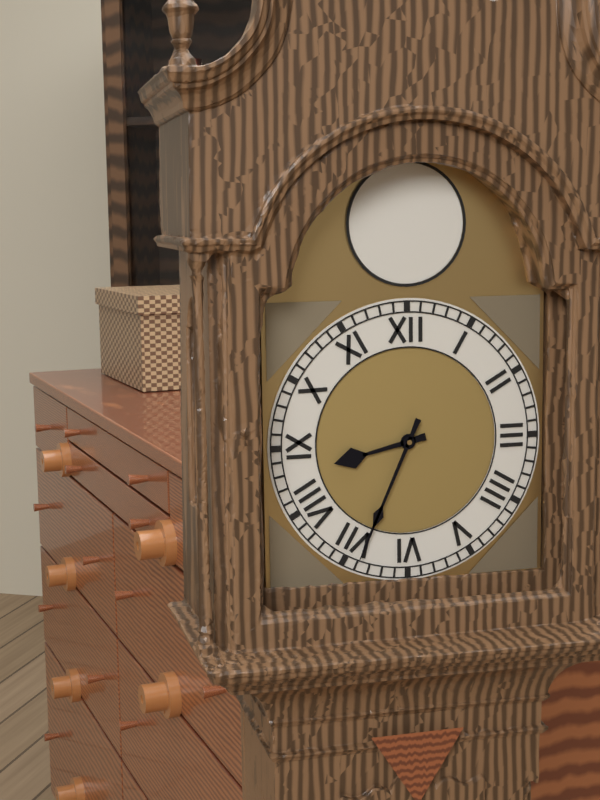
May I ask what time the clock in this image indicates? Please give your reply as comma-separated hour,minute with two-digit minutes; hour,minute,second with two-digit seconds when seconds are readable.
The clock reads 8,34
